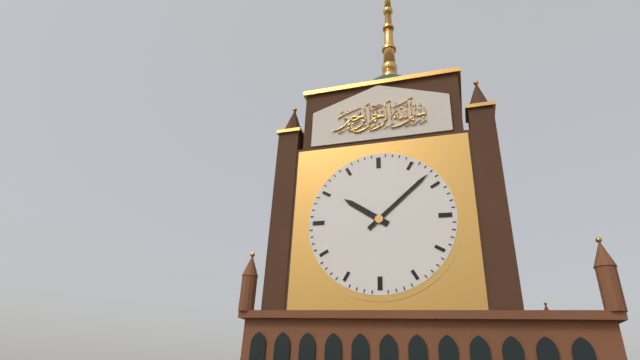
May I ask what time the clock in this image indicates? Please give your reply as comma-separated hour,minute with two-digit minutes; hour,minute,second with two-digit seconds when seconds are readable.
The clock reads 10,08
